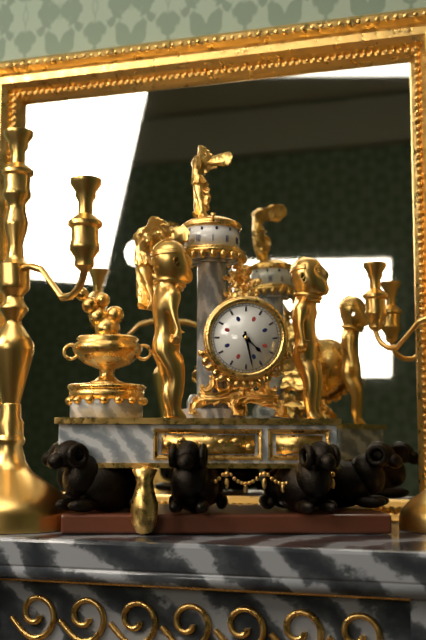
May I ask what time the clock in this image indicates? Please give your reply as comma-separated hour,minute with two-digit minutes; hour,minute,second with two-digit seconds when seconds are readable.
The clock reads 4,28
